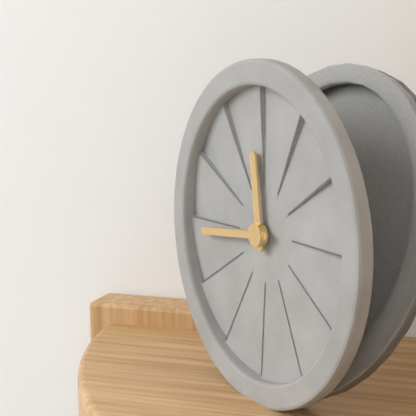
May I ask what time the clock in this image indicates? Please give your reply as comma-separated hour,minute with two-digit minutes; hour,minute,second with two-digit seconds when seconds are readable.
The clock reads 11,44
